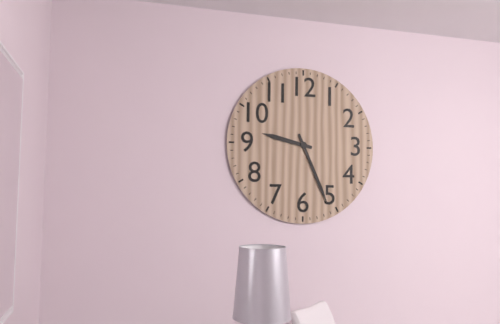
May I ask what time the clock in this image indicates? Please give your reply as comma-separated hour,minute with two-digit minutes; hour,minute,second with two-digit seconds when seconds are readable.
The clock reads 9,26
